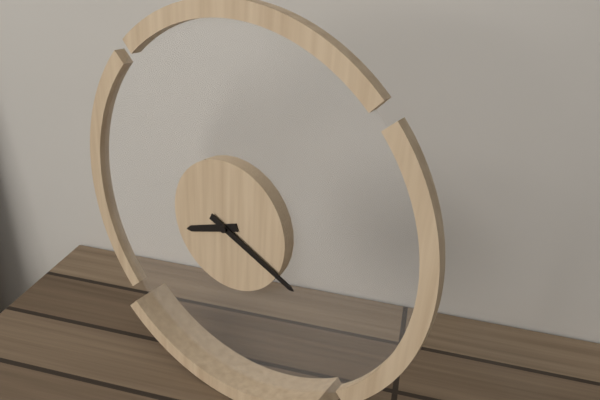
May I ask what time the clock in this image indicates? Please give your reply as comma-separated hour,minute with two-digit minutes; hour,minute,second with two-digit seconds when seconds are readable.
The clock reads 8,19
